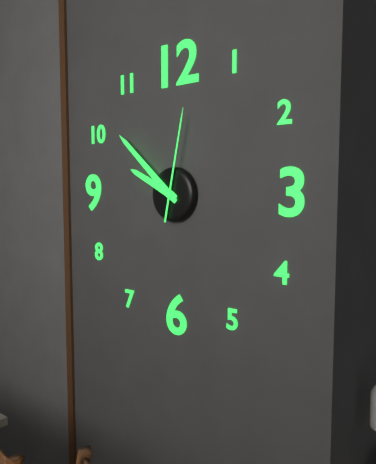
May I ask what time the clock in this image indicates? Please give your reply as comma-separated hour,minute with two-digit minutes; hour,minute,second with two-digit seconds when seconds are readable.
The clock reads 9,52,02
